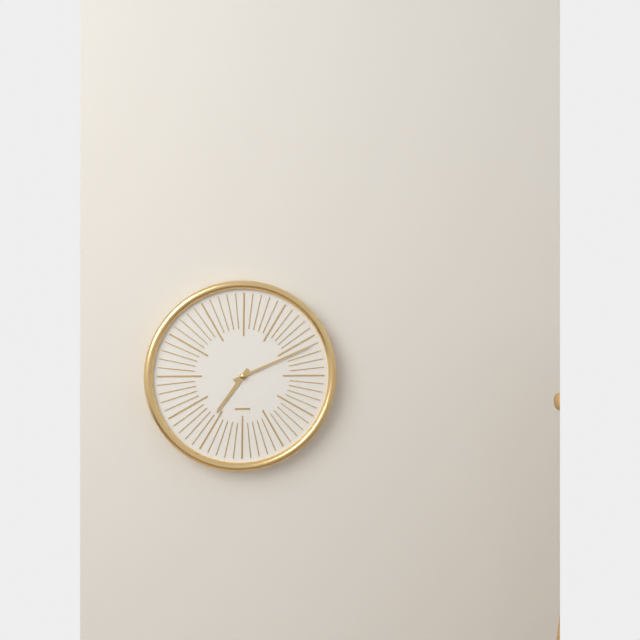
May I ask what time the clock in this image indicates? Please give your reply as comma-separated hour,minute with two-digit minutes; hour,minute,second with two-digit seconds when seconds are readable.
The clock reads 7,11
